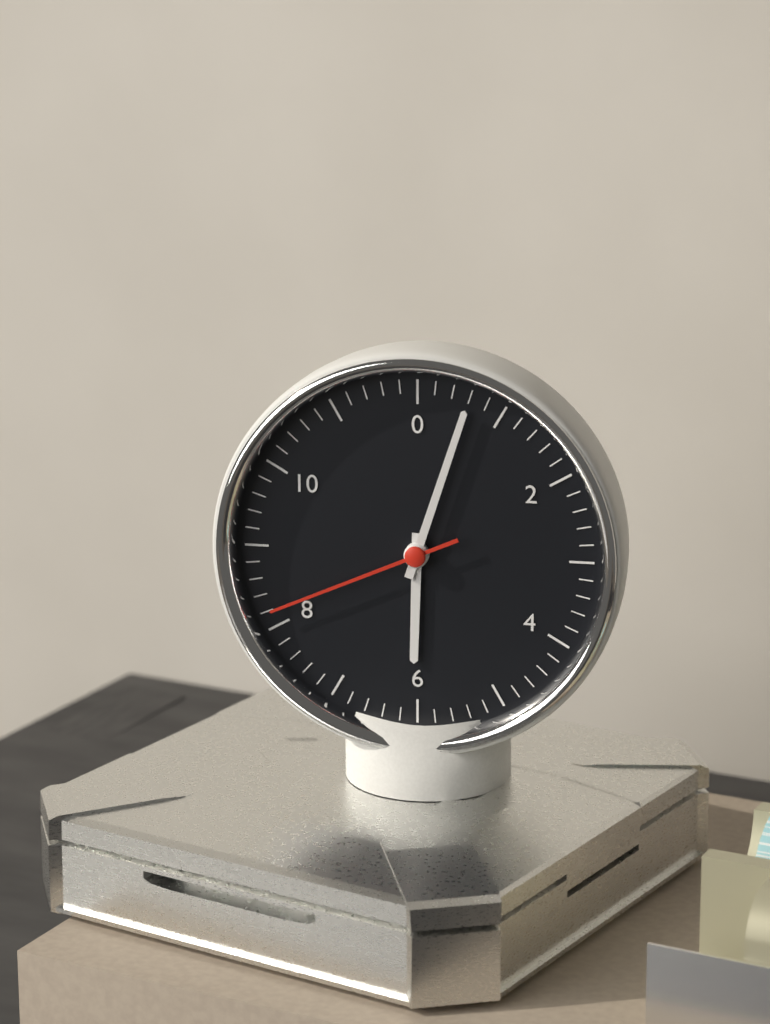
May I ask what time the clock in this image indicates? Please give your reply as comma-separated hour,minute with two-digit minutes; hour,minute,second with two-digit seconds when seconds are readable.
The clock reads 6,03,41
